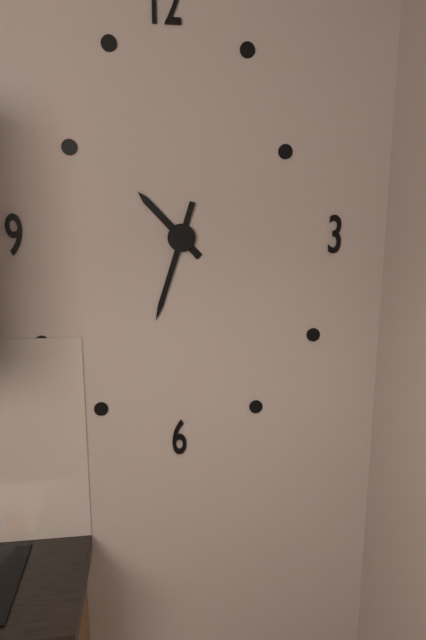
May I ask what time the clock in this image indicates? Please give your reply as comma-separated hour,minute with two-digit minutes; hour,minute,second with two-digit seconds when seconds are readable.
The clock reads 10,33
